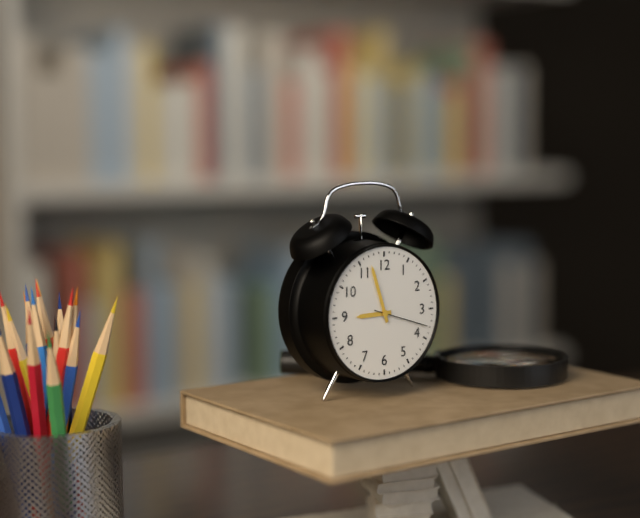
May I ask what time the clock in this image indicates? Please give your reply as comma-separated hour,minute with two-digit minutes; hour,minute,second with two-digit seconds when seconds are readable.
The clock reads 8,57,18
